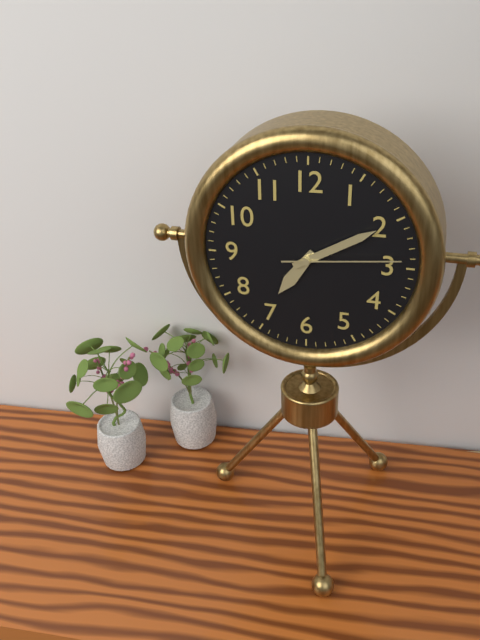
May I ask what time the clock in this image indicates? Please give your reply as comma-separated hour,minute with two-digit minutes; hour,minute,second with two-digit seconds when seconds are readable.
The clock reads 7,10,14
